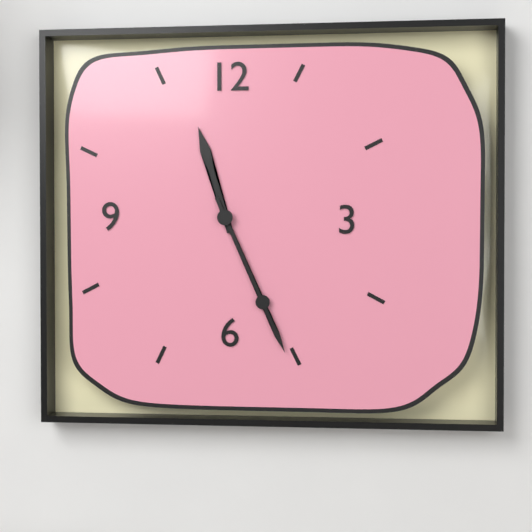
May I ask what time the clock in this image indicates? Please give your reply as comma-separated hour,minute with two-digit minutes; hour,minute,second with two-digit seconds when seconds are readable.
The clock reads 11,26
